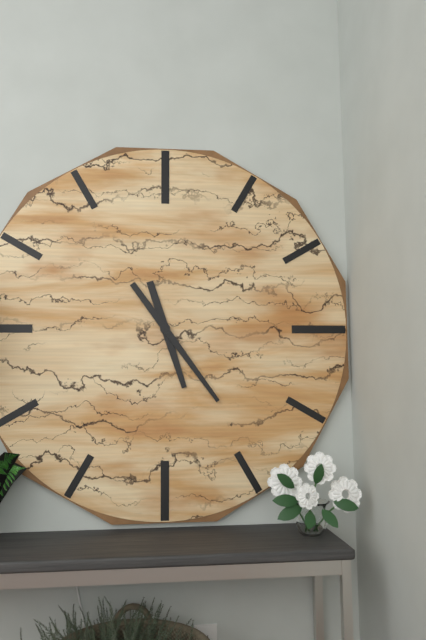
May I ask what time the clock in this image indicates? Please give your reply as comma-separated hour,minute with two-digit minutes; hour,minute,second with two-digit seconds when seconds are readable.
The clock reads 5,24
